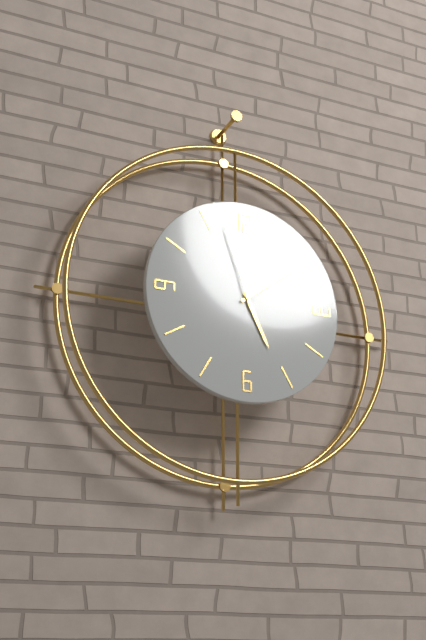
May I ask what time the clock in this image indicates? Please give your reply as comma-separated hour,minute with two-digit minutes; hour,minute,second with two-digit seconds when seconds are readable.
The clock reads 5,09,57
